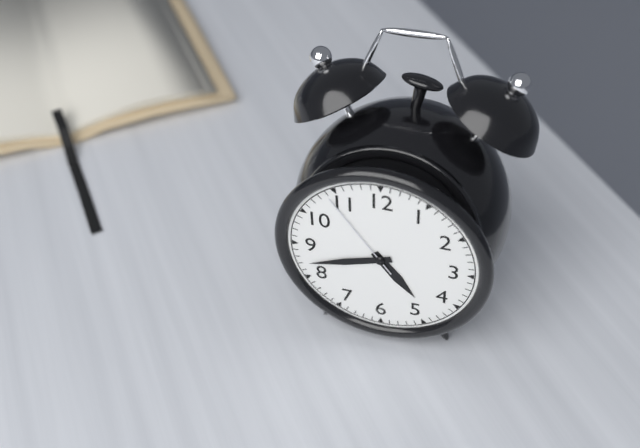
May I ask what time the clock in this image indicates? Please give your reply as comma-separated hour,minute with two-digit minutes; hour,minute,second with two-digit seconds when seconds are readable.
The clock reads 4,42,54
